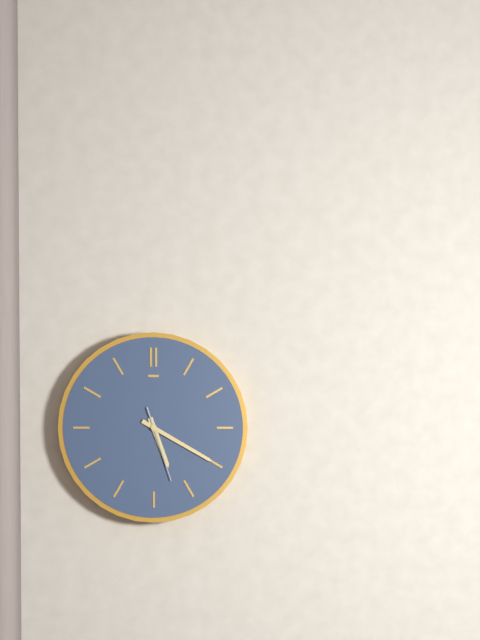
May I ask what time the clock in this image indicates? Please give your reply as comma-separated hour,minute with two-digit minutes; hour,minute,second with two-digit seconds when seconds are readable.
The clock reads 5,20,27
